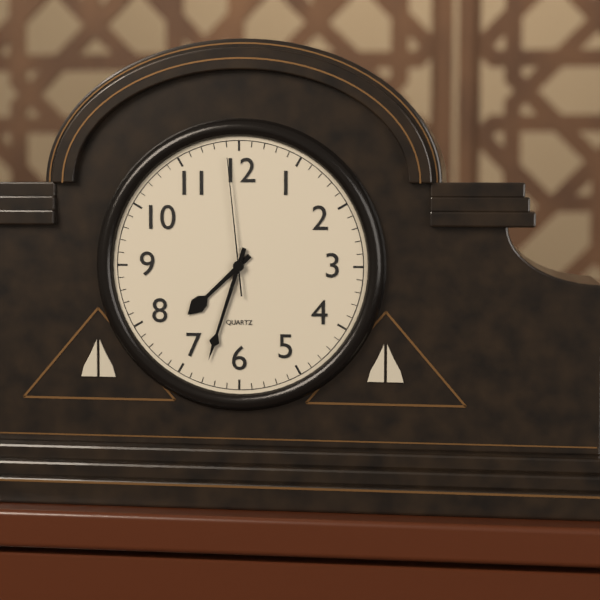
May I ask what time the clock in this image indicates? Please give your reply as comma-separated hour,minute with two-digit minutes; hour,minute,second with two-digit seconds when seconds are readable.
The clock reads 7,33,59
